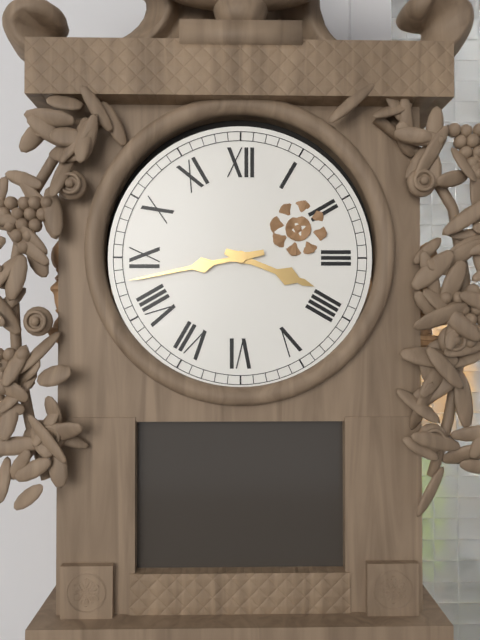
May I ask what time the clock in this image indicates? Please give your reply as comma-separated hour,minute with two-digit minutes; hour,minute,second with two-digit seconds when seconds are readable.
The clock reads 3,43
